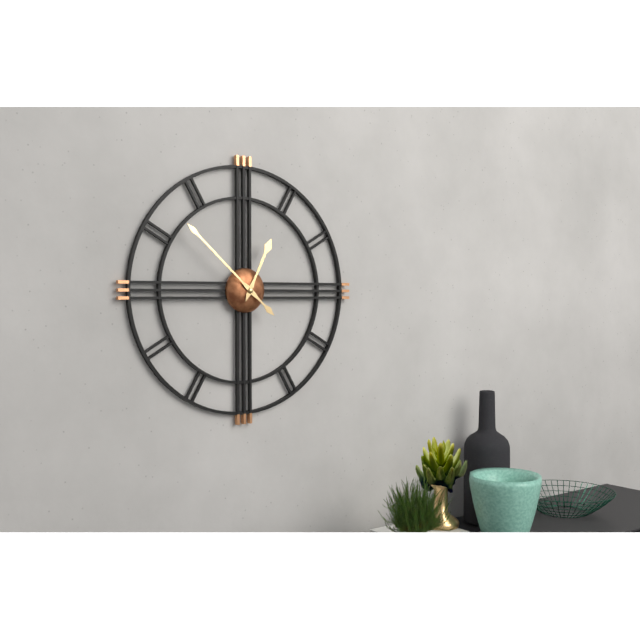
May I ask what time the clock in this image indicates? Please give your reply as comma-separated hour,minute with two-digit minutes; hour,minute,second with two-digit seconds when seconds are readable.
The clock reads 12,52
